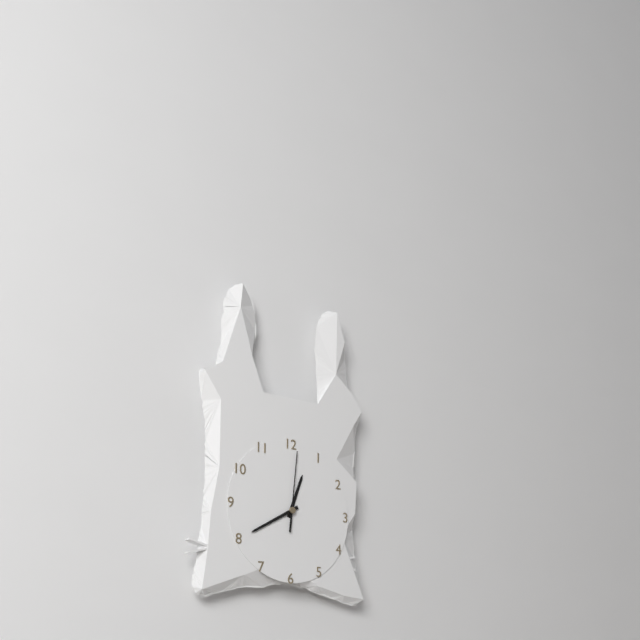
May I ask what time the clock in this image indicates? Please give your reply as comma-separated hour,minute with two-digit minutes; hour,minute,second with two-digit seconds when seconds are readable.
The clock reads 12,40,01
